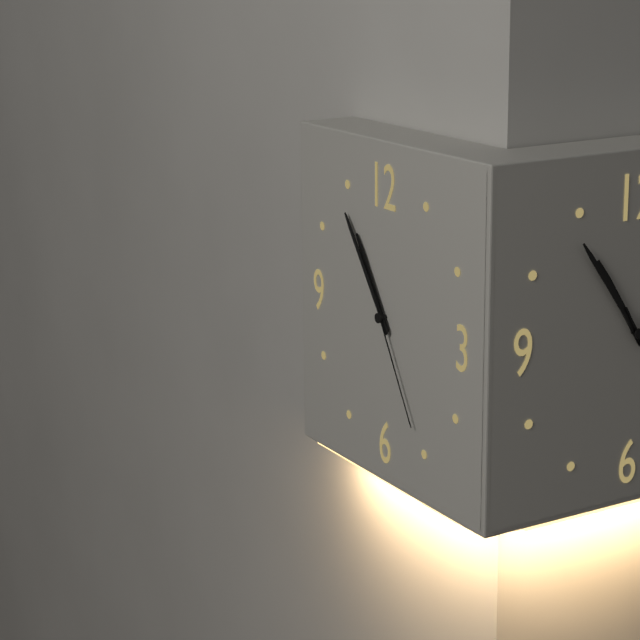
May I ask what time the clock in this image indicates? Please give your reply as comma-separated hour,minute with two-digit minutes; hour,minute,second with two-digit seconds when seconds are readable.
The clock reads 10,54,25
